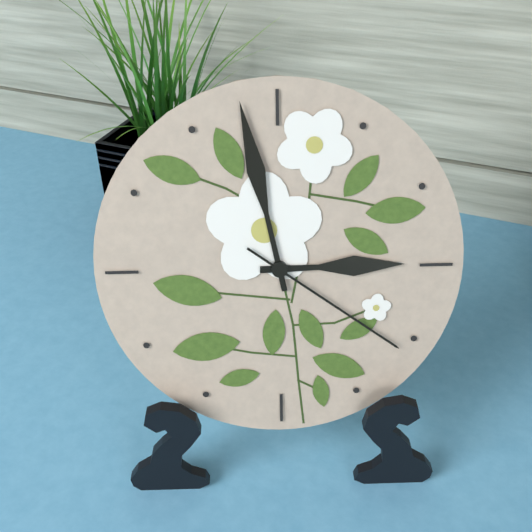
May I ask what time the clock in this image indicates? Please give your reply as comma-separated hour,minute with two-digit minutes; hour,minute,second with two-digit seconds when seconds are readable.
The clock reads 2,58,21
